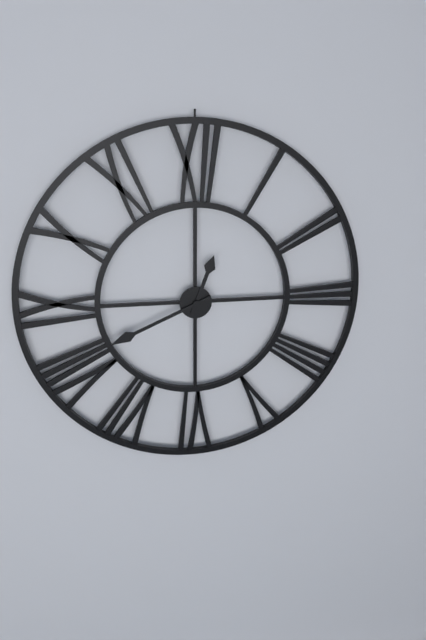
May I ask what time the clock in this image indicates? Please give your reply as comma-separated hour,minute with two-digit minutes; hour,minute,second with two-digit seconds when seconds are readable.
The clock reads 12,41
